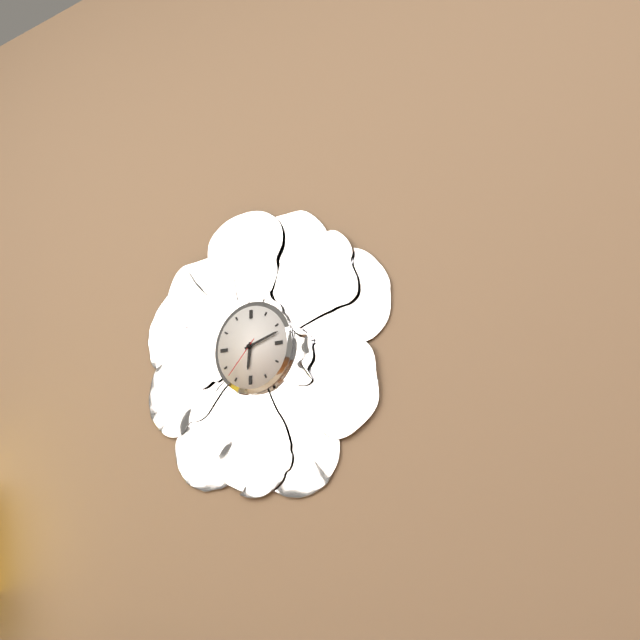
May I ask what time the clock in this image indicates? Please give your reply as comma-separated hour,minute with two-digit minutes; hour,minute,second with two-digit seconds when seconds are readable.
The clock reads 6,12
